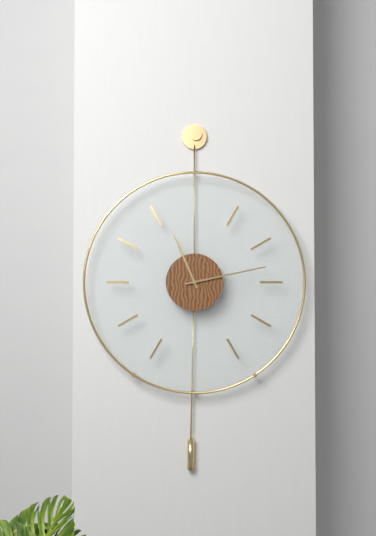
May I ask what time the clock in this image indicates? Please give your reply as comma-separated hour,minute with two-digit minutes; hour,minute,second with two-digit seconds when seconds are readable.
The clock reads 11,13
